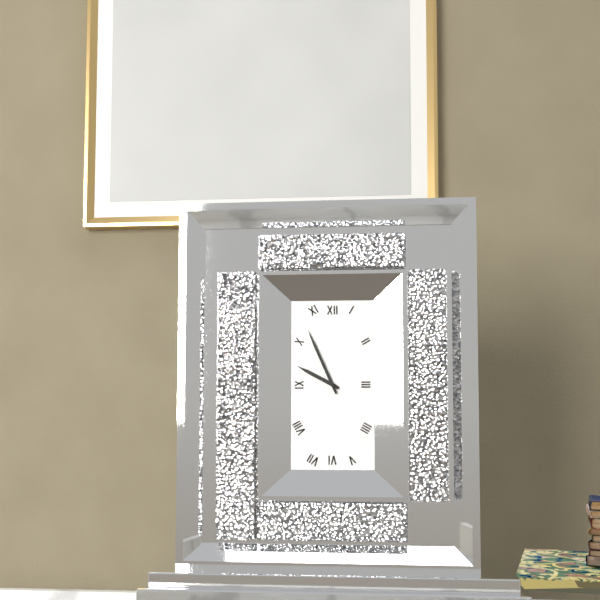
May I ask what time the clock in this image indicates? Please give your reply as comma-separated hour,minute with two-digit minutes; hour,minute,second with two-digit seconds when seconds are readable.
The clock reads 9,56
